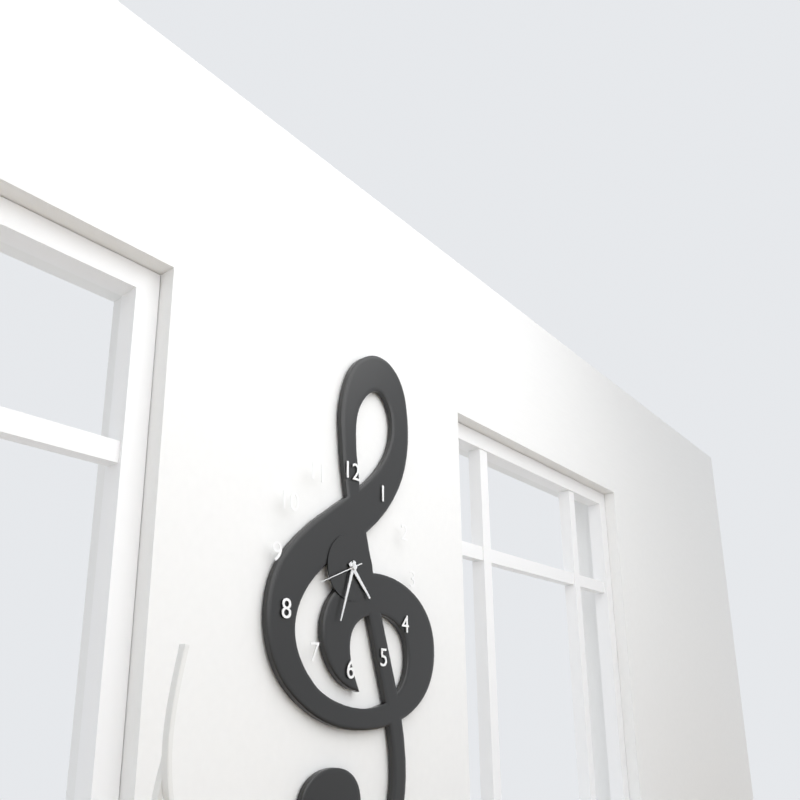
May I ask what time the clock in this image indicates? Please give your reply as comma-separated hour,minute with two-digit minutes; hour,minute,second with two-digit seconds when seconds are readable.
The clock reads 4,33
